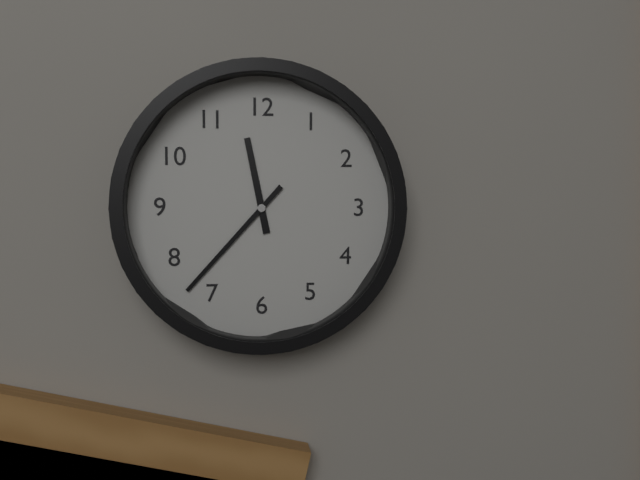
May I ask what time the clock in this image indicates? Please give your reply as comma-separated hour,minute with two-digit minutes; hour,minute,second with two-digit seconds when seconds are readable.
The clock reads 11,37
